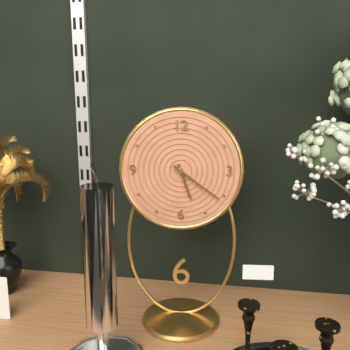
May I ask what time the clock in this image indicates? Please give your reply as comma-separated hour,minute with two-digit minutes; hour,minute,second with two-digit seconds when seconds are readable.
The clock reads 5,21
